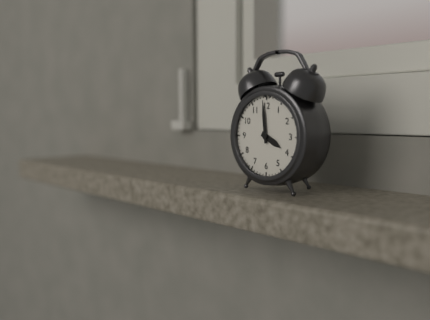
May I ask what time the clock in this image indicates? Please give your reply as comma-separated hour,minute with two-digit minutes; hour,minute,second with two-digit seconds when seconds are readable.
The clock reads 3,59
